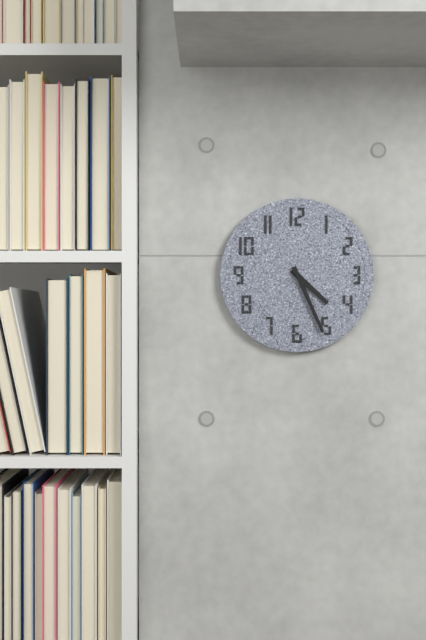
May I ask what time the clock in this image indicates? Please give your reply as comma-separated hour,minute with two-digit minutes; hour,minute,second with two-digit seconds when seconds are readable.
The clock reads 4,26
